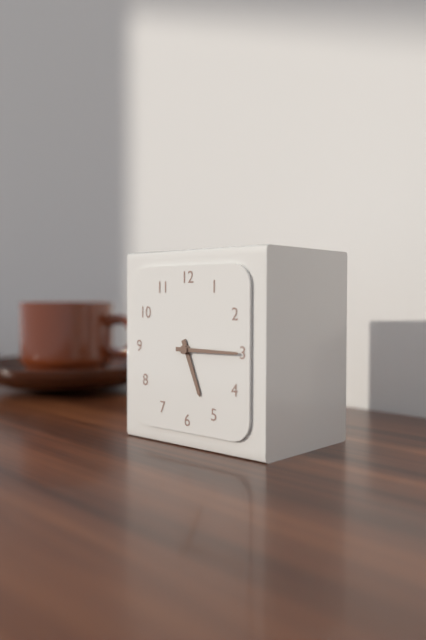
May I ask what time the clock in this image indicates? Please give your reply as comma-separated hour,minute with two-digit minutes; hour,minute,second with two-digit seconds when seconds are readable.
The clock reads 5,15
